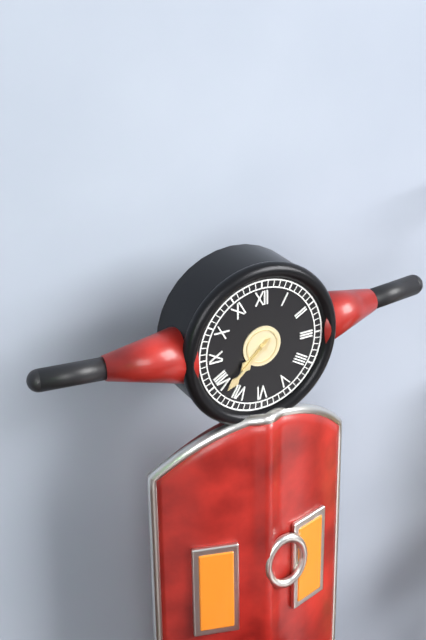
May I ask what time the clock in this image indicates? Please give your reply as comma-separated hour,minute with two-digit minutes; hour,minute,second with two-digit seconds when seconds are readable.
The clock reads 7,38
